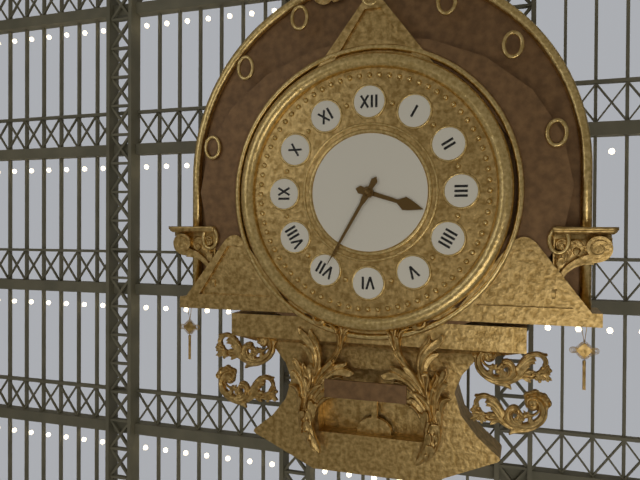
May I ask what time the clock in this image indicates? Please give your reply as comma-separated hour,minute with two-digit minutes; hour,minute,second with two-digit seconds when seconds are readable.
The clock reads 3,35
